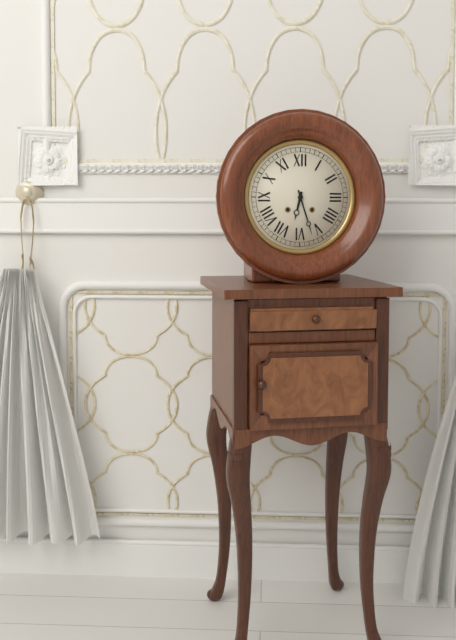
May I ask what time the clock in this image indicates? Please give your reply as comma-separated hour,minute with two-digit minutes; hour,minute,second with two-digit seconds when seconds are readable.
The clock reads 6,27
